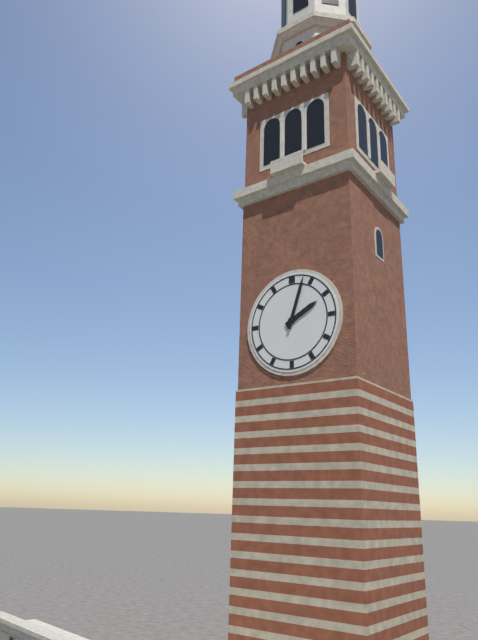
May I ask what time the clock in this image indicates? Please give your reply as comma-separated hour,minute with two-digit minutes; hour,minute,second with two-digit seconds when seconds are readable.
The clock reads 2,03
